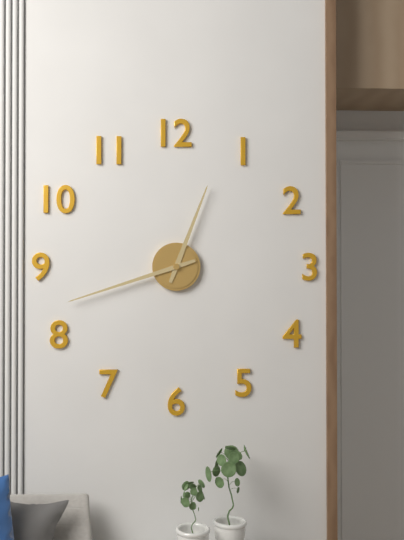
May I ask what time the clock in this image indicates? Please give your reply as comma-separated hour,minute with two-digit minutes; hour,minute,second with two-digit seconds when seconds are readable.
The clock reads 12,42
